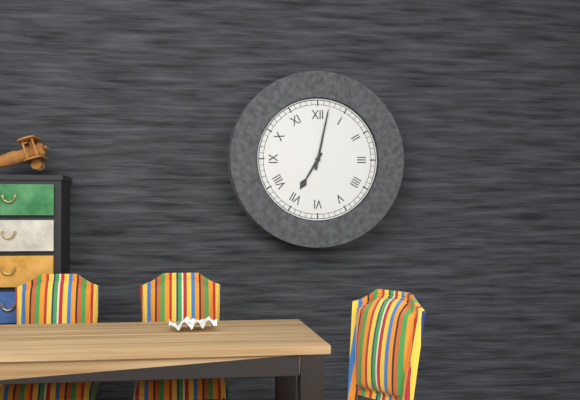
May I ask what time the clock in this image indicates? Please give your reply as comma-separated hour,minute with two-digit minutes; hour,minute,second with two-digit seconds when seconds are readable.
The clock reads 7,02
